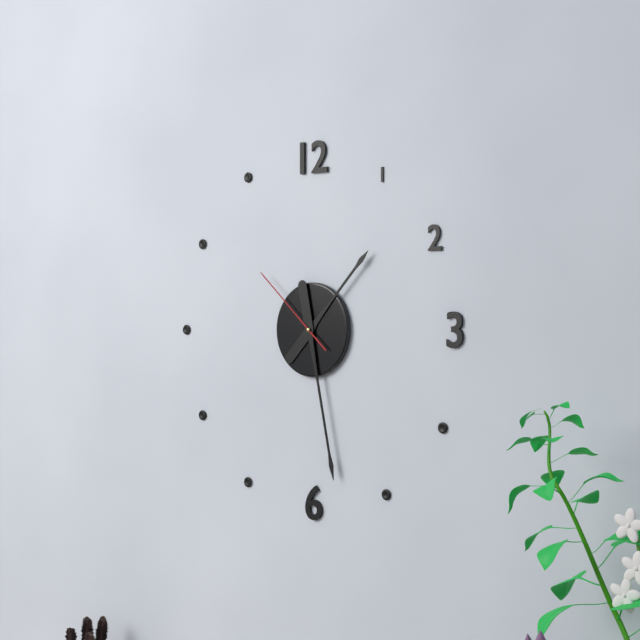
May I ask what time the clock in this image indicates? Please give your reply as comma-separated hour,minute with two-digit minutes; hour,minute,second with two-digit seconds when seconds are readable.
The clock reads 1,28,52
